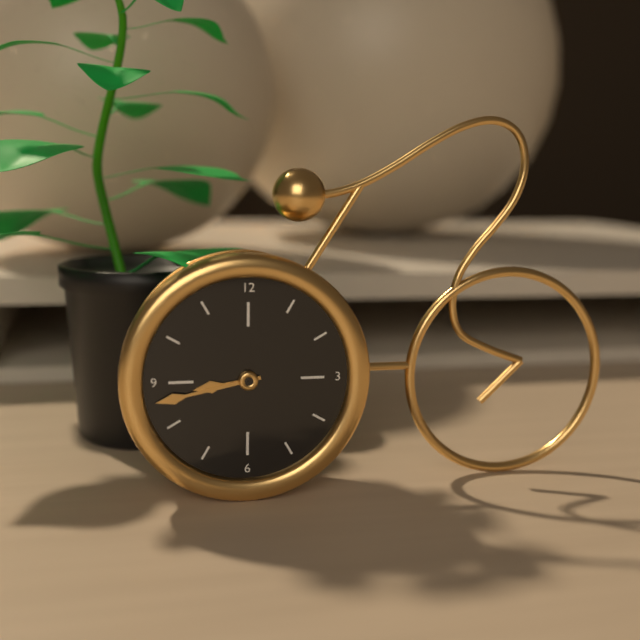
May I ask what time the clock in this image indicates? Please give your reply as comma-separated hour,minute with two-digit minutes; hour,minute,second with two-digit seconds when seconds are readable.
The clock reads 8,43
